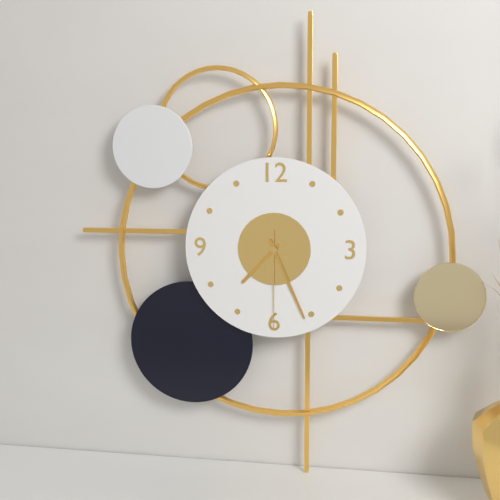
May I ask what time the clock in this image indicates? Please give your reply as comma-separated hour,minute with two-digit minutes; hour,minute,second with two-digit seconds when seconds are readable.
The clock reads 7,26,30
